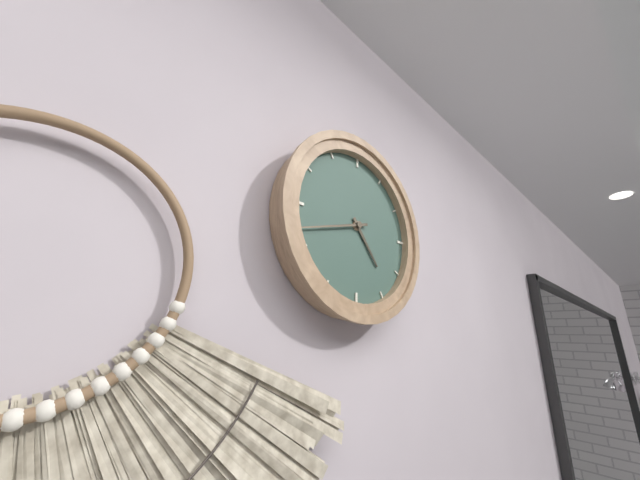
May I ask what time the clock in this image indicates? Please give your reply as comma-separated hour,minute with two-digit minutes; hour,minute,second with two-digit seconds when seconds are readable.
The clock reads 4,42
